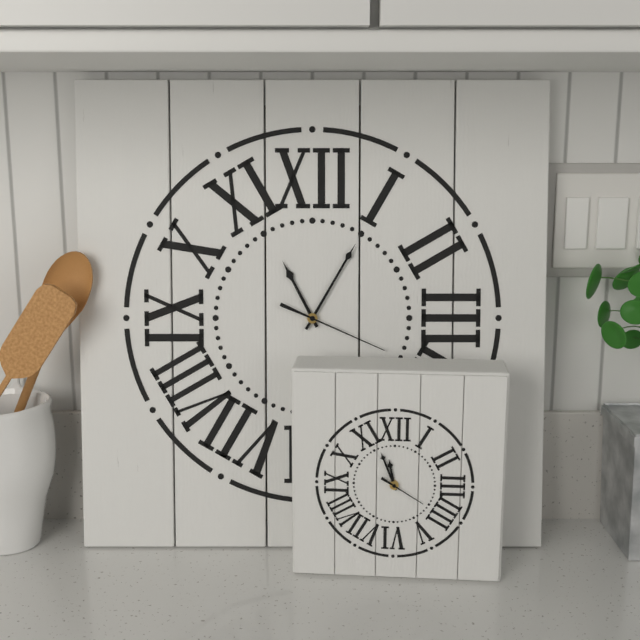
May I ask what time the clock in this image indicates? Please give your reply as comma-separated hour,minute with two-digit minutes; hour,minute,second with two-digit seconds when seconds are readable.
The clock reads 11,05,19
